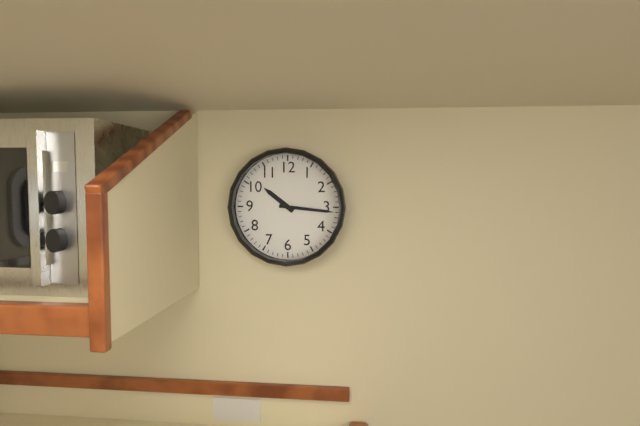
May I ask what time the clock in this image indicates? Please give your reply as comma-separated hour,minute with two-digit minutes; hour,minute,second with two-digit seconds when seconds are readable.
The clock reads 10,16
